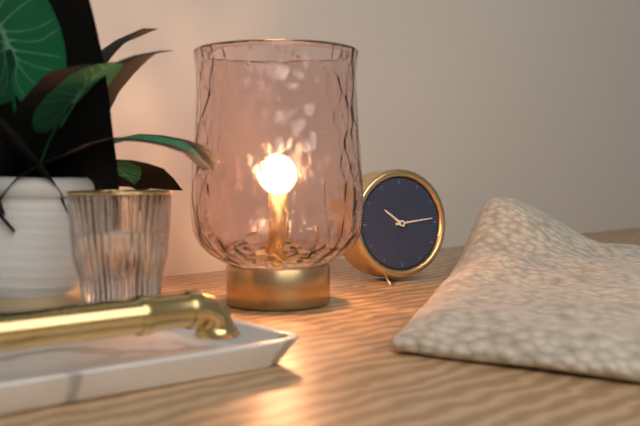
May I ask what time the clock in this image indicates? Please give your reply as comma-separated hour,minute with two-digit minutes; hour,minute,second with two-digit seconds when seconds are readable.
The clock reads 10,14
